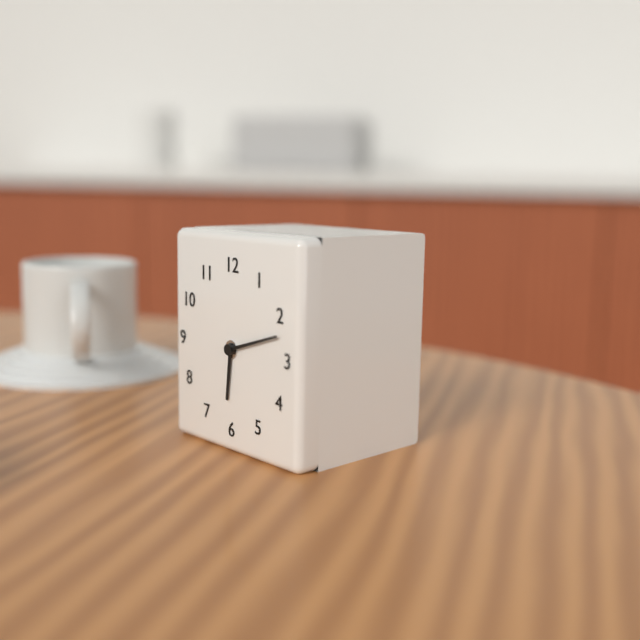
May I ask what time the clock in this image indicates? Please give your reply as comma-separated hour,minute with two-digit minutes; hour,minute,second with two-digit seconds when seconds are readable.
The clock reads 6,12
